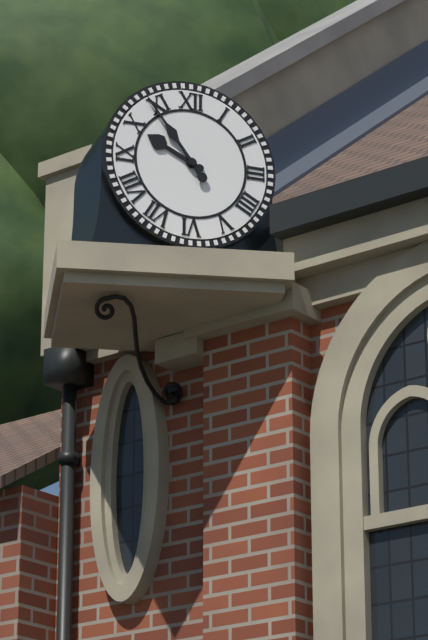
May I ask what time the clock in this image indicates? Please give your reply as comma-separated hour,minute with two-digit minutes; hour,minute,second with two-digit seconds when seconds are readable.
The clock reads 9,54
